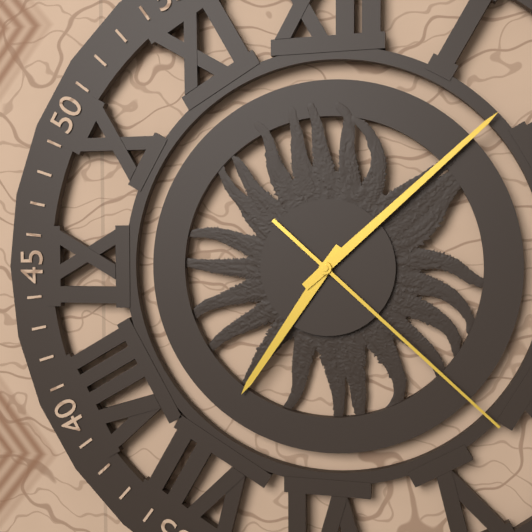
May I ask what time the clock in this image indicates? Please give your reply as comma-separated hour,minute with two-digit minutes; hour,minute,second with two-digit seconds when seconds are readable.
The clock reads 7,08,22
